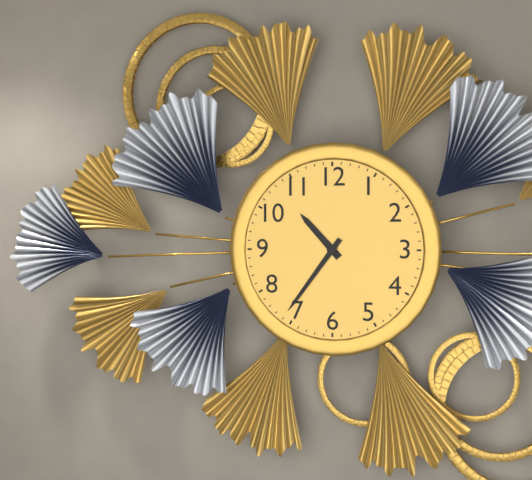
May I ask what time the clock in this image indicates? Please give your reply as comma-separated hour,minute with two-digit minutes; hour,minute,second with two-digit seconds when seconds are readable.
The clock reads 10,36
